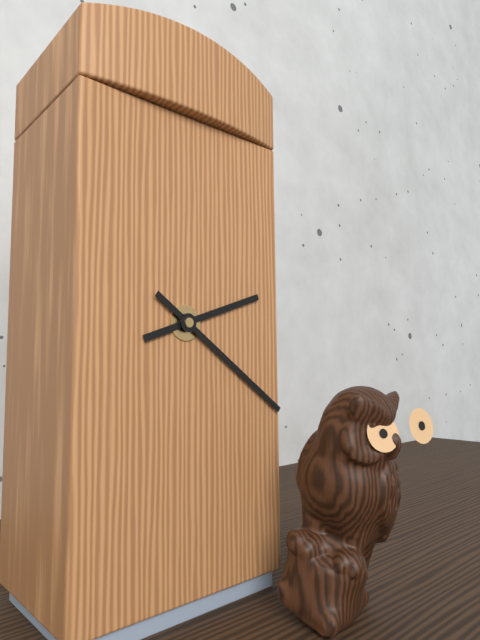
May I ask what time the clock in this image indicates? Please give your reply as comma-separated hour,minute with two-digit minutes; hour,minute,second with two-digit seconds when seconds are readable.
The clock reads 2,21
